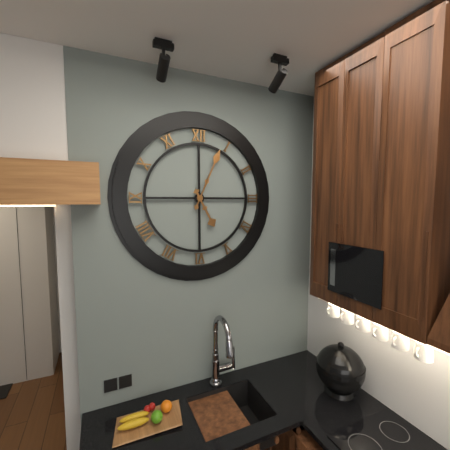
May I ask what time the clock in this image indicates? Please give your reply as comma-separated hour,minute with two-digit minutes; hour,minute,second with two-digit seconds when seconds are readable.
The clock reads 5,04
